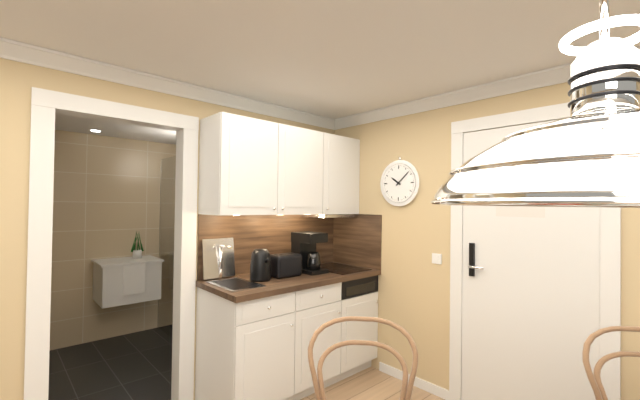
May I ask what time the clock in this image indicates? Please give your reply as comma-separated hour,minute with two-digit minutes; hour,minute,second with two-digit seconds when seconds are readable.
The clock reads 10,08
